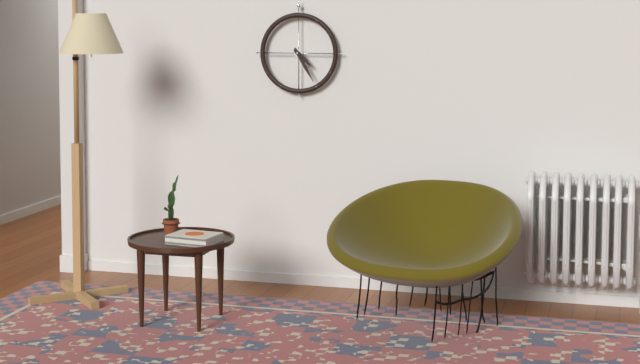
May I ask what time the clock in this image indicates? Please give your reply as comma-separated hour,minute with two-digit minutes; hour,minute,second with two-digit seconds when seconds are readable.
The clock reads 4,25
